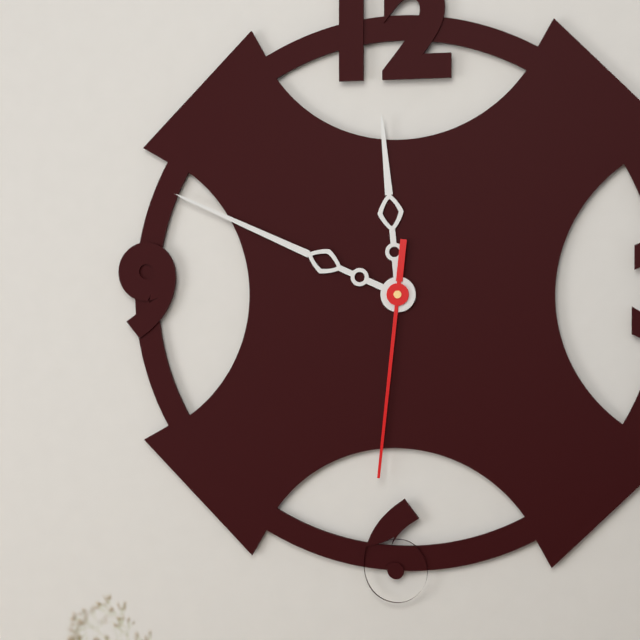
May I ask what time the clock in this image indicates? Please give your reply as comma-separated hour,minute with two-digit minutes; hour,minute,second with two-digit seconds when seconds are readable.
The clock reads 11,49,31
